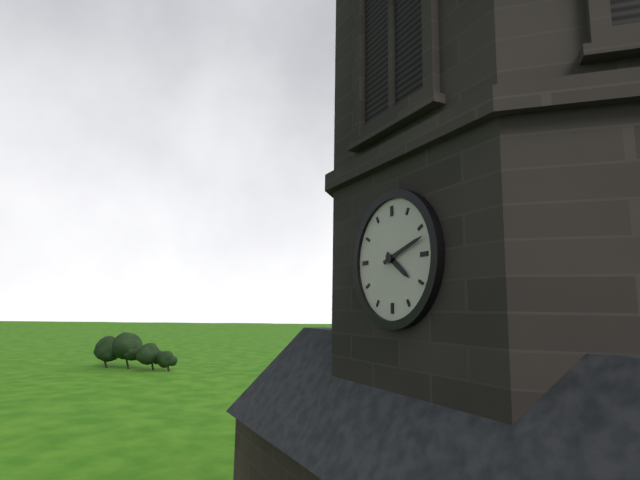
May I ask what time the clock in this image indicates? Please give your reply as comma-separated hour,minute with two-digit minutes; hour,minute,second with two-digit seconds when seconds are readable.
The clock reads 4,12
